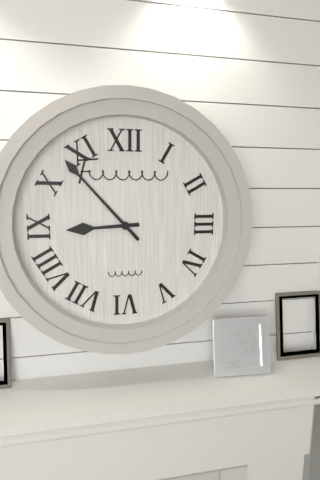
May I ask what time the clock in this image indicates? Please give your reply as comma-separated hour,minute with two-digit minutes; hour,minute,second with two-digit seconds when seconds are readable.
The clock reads 8,53
